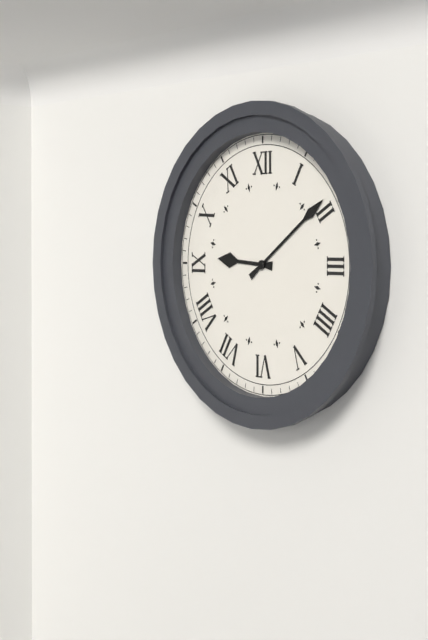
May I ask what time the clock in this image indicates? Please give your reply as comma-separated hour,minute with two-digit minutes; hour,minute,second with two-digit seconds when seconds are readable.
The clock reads 9,09
